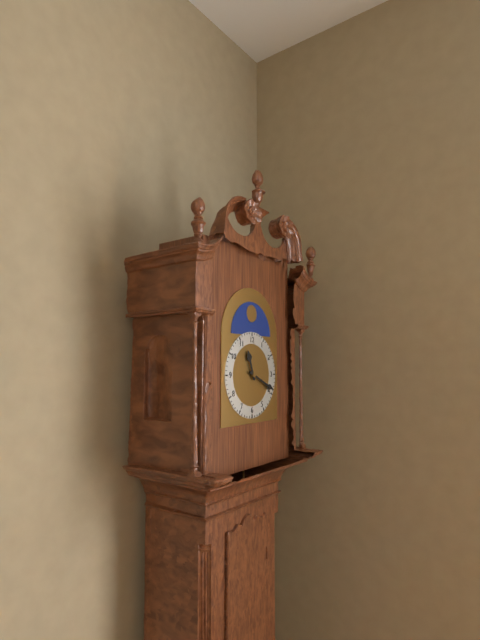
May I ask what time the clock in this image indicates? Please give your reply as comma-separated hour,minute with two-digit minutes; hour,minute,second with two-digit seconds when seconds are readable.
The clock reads 11,19
